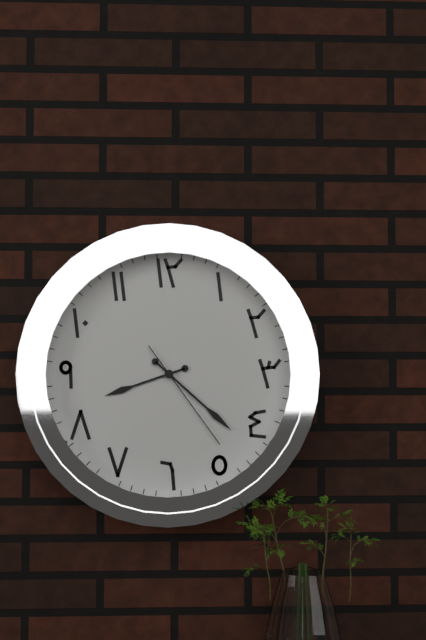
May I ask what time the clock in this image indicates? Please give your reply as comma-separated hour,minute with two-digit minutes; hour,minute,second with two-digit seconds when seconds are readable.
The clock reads 8,22,24
